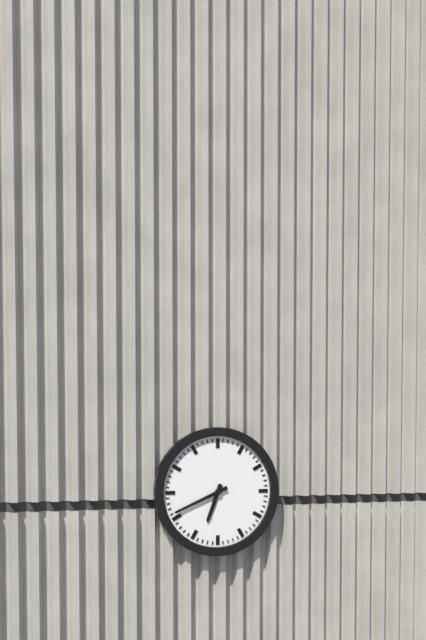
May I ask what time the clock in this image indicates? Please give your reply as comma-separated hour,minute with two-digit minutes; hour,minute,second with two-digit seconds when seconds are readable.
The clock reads 6,41
